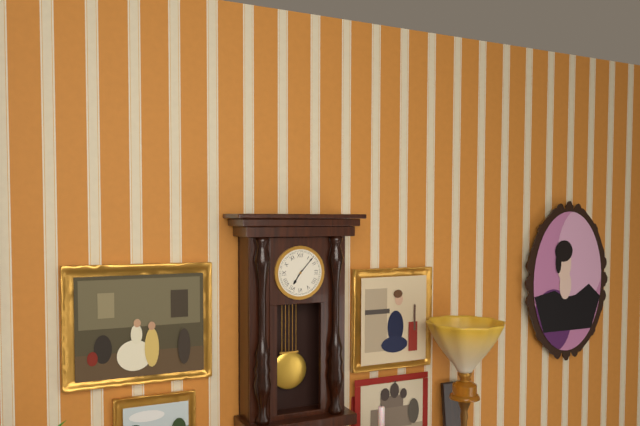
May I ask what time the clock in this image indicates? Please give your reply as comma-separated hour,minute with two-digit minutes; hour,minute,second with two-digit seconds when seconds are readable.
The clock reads 7,07
